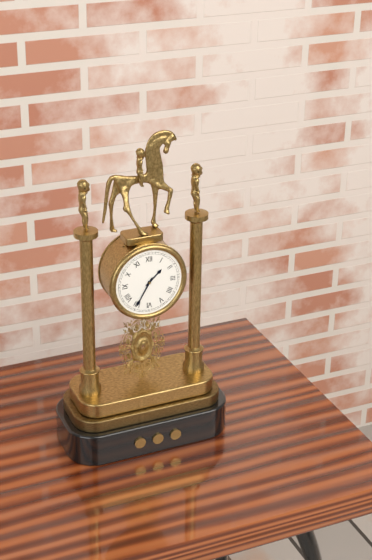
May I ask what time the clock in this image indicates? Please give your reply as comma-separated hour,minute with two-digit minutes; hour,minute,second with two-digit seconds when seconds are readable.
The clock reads 1,35
